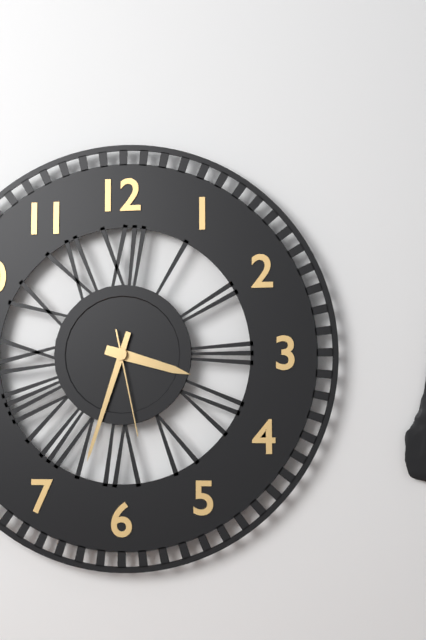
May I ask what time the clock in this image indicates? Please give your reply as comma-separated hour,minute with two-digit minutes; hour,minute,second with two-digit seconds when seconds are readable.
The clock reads 3,33,28
